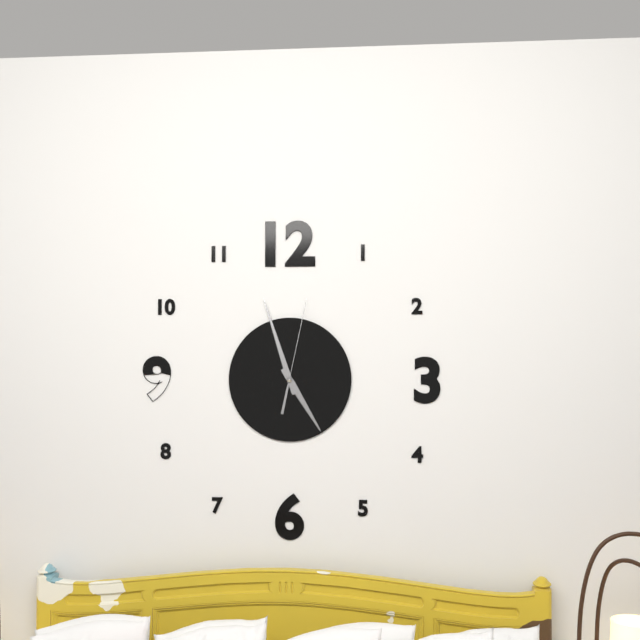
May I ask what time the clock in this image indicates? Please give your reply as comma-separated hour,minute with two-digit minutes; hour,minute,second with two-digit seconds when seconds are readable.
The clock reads 4,57,02
